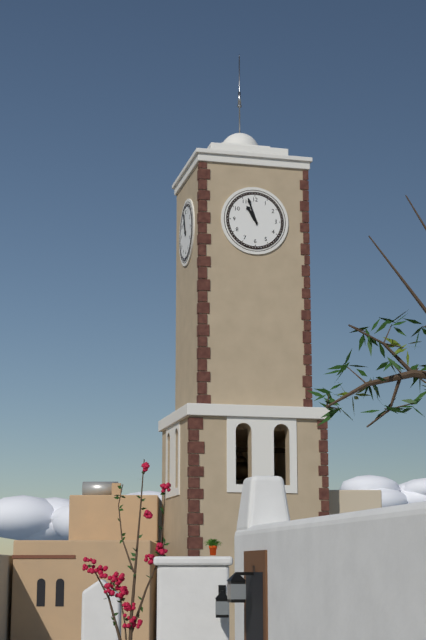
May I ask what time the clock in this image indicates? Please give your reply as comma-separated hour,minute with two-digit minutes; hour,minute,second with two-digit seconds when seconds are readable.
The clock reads 10,57
